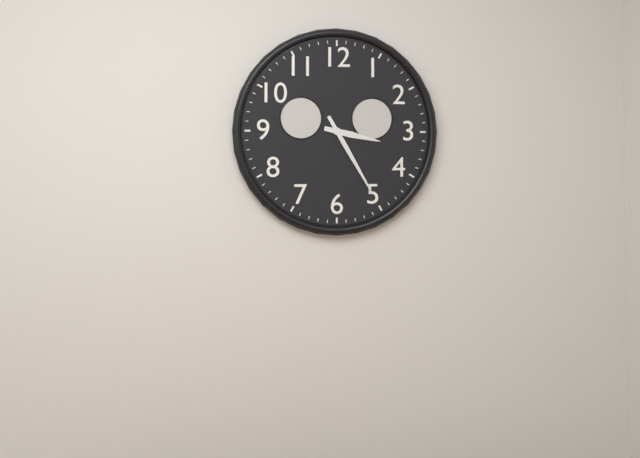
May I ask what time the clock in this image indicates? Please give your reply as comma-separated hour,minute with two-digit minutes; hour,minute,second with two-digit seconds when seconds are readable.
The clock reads 3,25
